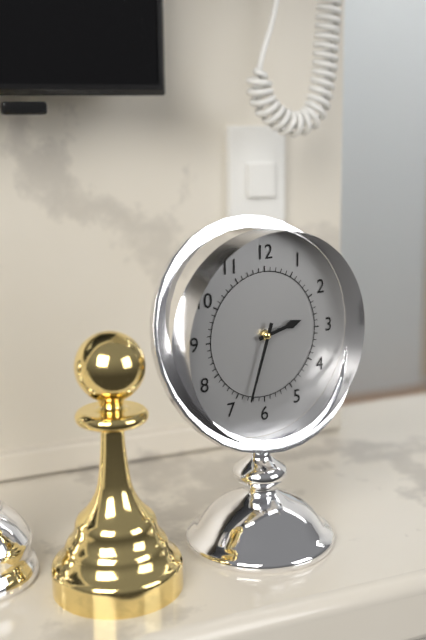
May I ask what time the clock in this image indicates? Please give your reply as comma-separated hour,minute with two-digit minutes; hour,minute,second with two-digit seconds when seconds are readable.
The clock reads 2,33
